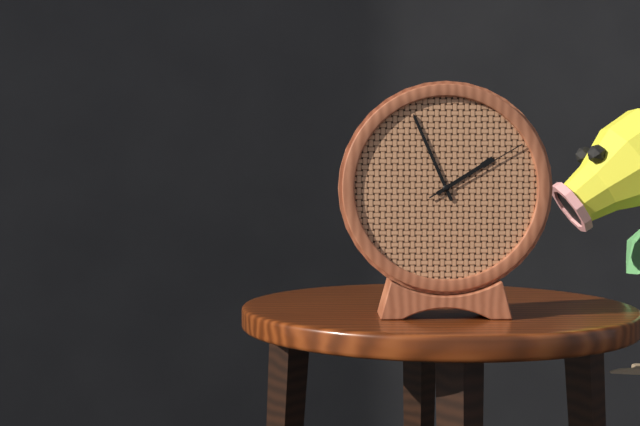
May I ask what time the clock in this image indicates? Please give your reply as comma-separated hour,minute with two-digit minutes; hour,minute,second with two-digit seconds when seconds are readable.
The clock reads 1,56,10
